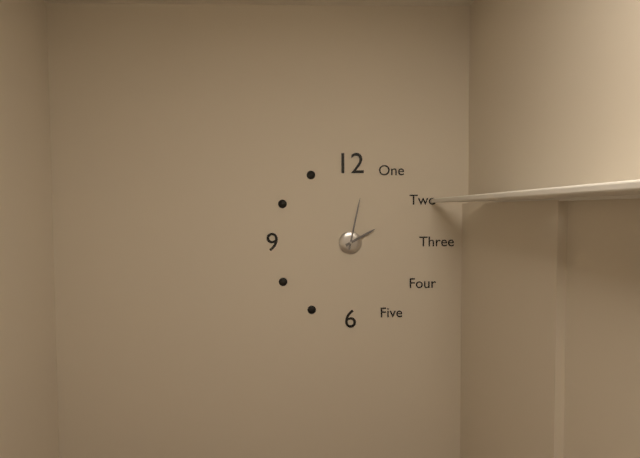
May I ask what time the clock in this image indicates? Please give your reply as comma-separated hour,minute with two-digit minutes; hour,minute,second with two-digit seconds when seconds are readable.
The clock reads 2,02
